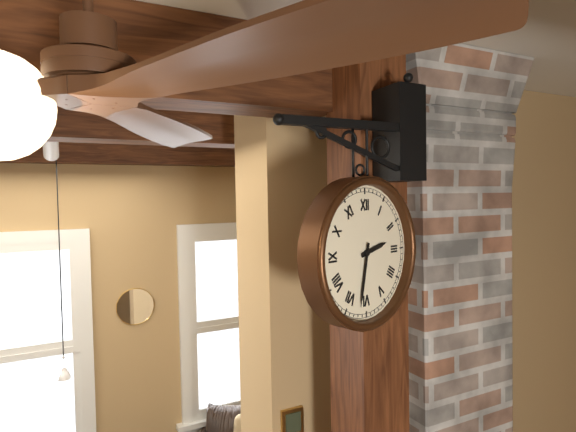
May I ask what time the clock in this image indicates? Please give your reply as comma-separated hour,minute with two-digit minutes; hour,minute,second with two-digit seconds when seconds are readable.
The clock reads 2,32
